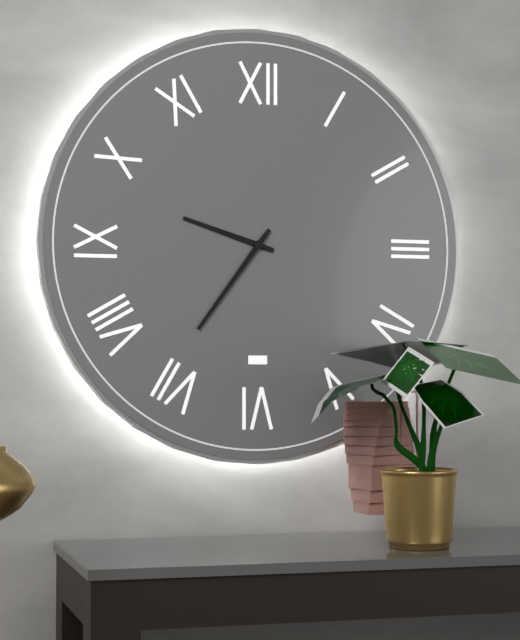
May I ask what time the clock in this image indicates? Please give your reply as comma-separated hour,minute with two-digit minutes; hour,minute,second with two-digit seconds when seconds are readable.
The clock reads 9,36
